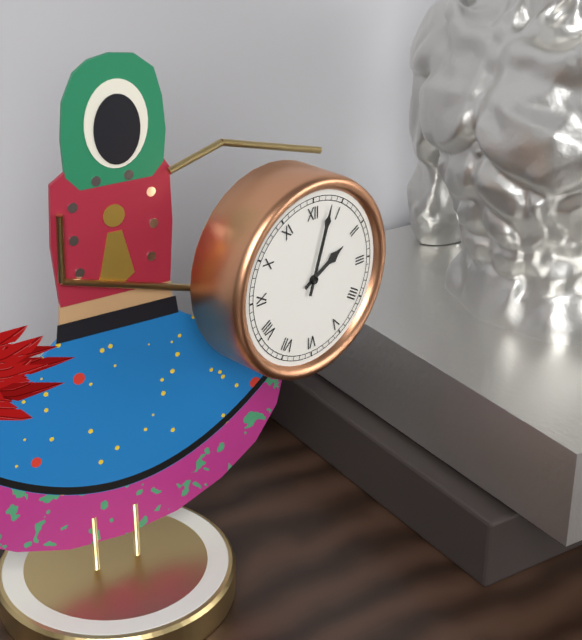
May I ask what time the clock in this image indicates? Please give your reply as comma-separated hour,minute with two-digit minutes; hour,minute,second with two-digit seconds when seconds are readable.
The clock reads 2,03
